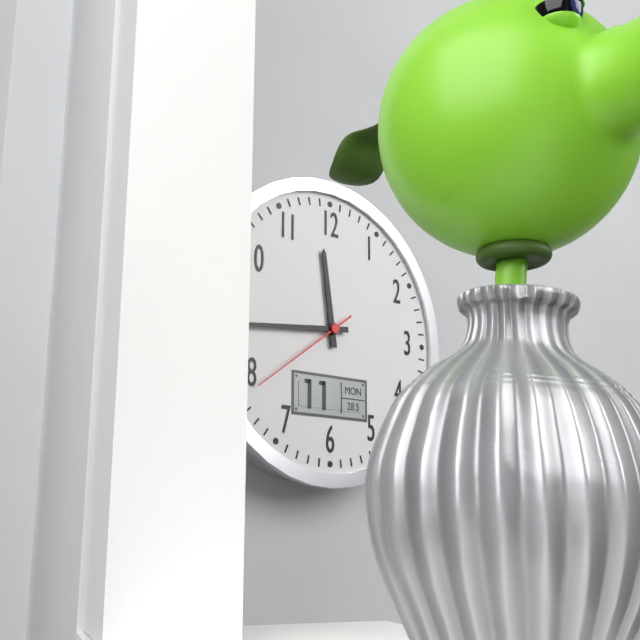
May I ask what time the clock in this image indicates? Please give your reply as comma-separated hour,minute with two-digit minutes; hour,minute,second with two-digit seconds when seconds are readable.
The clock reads 11,44,39
